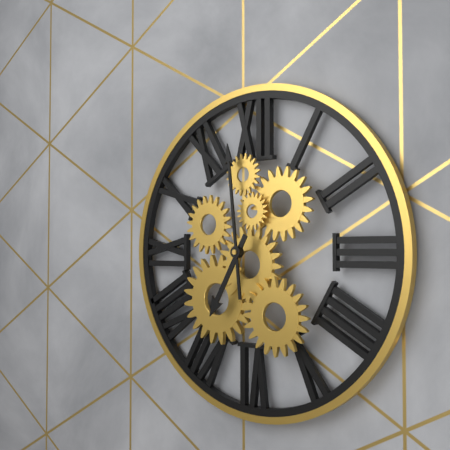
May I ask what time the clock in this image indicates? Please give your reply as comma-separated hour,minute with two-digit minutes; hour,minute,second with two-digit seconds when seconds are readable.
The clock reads 6,59
